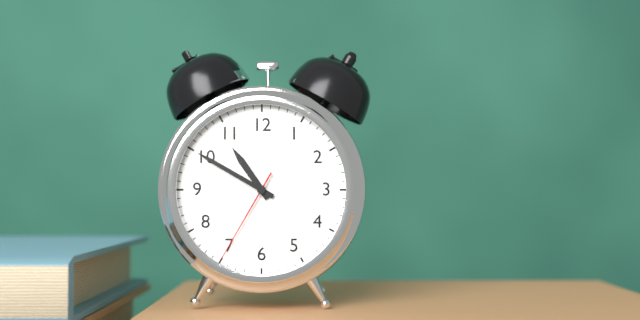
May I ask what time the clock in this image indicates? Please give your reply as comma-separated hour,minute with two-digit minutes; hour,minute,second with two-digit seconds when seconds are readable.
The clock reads 10,50,35
